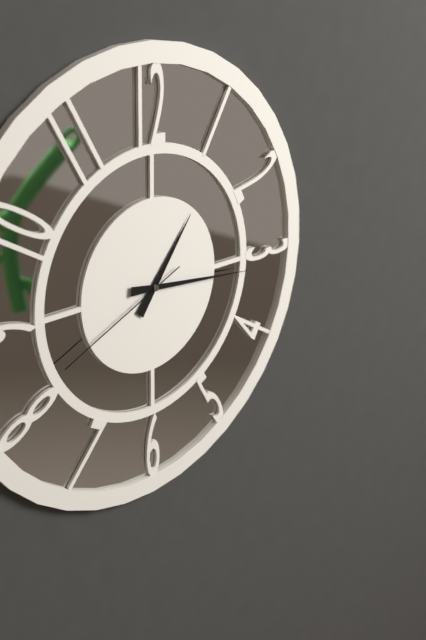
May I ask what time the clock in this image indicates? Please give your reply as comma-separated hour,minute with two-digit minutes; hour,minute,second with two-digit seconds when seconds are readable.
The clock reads 1,16,41
